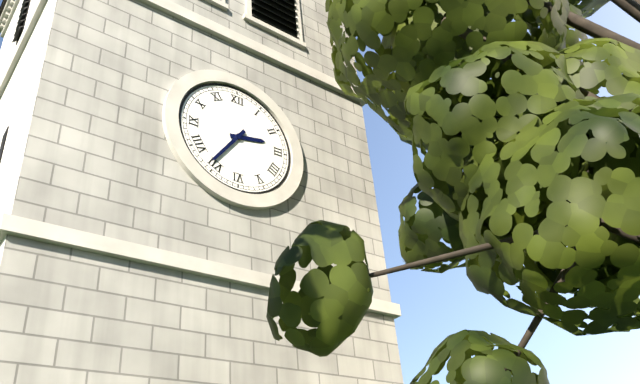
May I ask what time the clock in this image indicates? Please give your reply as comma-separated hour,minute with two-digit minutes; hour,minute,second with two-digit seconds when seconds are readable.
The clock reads 2,36
